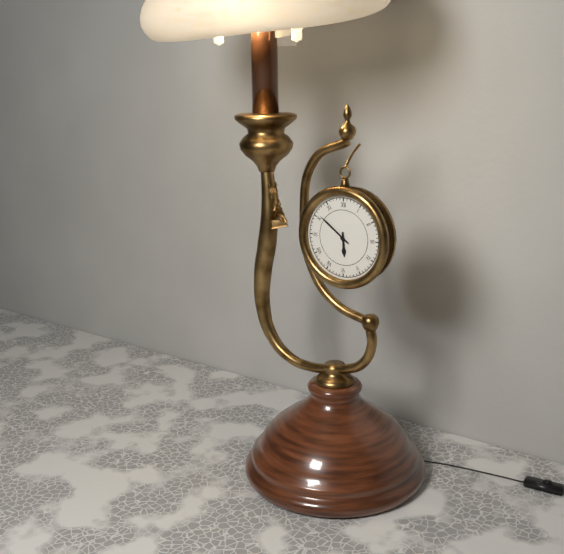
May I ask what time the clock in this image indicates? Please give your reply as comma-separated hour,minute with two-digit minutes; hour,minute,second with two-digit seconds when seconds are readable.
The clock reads 5,51
